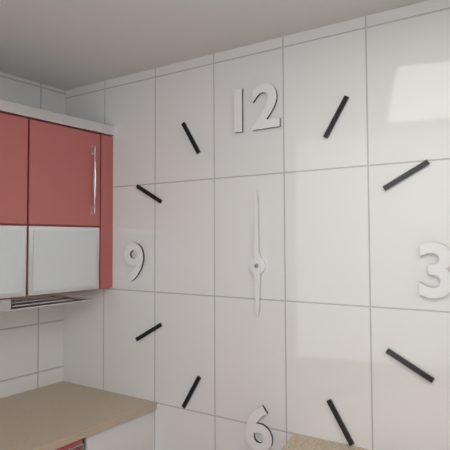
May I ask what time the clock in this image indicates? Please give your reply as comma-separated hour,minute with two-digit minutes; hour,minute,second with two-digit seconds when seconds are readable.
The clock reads 6,00
